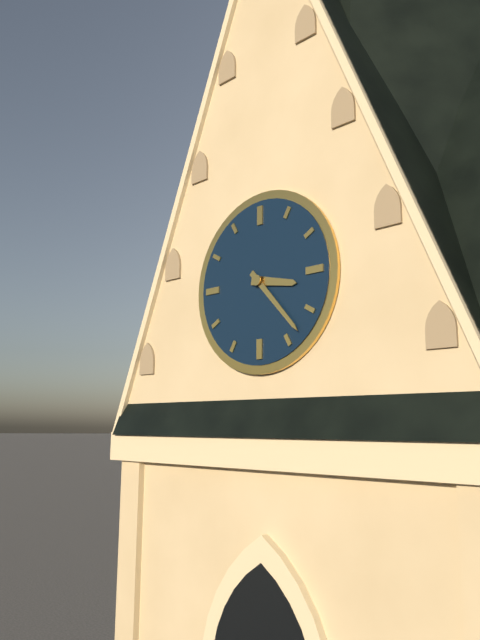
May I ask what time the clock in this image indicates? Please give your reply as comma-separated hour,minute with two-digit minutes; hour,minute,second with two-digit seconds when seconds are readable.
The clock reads 3,23
